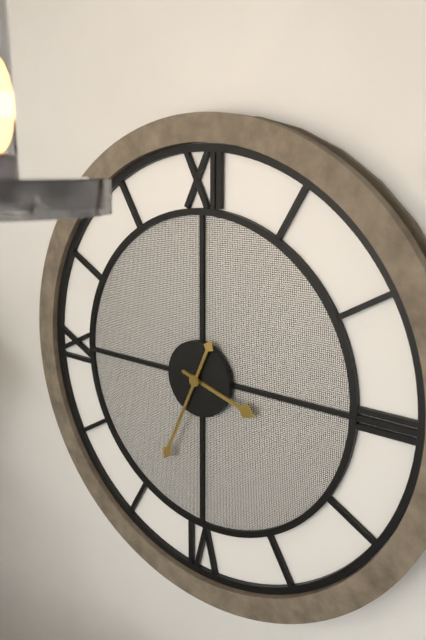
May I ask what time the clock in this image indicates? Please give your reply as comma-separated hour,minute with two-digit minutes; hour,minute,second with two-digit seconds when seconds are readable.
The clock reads 3,34
